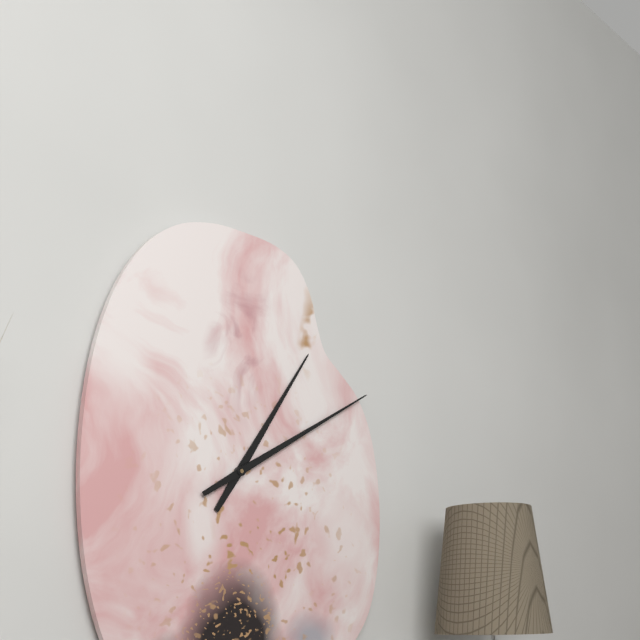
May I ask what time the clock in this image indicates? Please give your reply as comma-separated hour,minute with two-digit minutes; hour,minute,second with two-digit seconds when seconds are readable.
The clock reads 1,10
